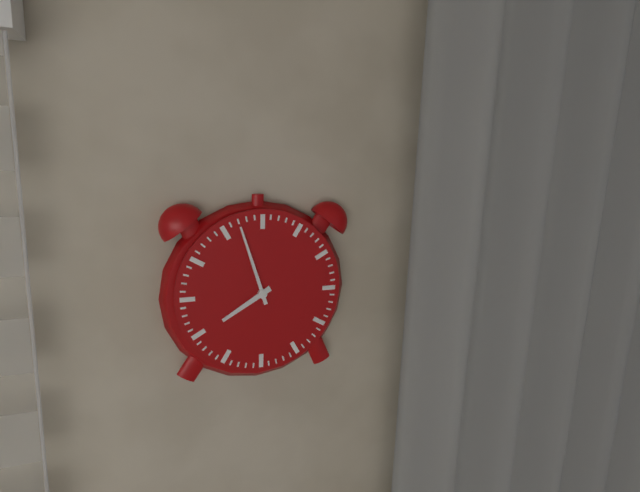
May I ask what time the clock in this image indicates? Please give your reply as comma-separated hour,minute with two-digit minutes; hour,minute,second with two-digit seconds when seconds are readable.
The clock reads 7,57
